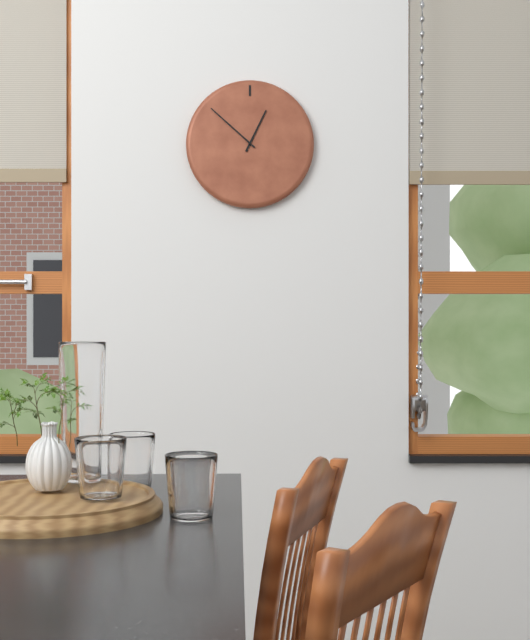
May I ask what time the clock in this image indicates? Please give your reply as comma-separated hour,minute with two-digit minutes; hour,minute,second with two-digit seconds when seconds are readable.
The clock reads 12,52
